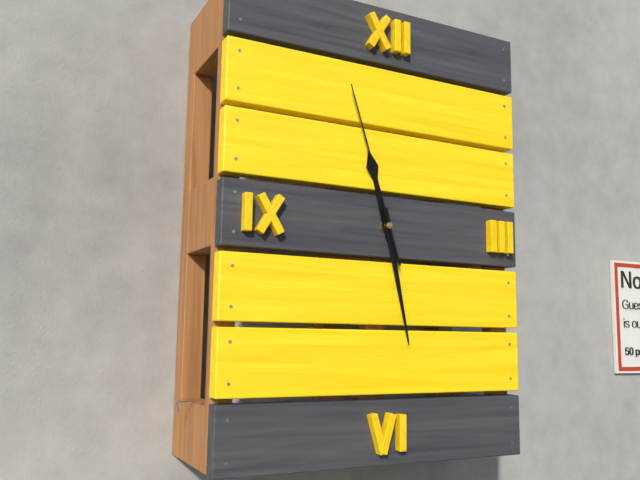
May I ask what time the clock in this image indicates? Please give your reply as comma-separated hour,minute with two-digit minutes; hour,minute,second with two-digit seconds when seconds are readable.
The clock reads 11,28,57
